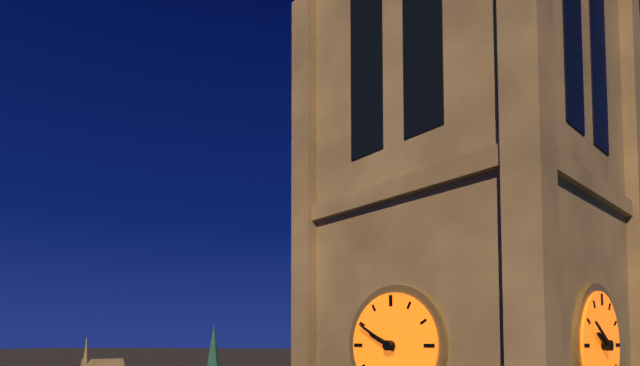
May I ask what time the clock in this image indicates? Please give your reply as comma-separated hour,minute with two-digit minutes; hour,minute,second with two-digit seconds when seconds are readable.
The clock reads 9,50
